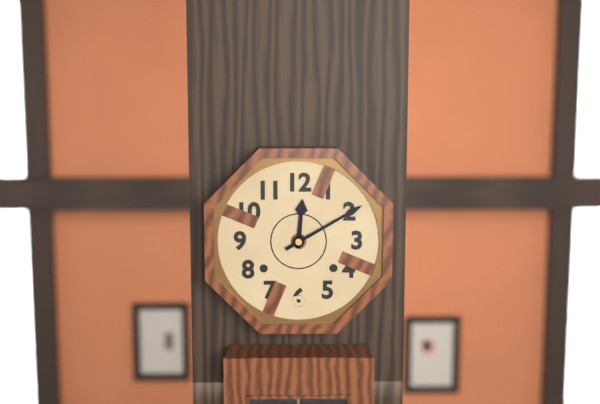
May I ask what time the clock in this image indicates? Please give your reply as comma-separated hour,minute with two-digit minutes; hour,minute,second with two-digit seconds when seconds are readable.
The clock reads 12,10
